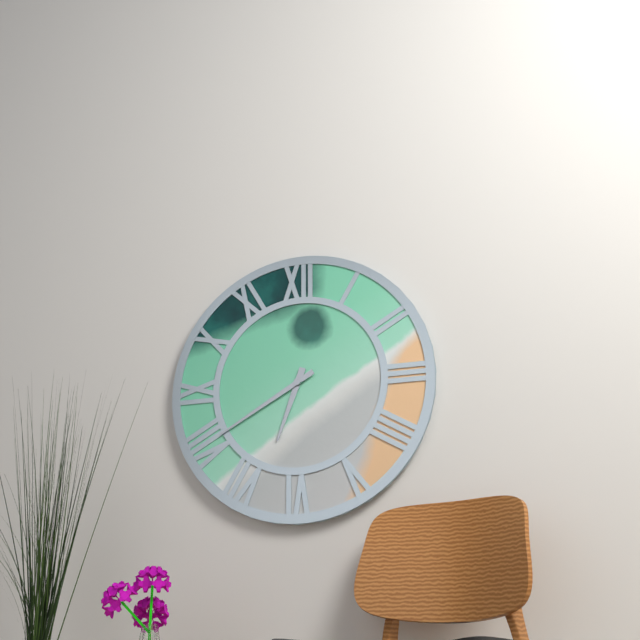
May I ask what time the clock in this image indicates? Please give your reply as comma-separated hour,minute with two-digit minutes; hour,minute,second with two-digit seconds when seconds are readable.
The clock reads 6,40
